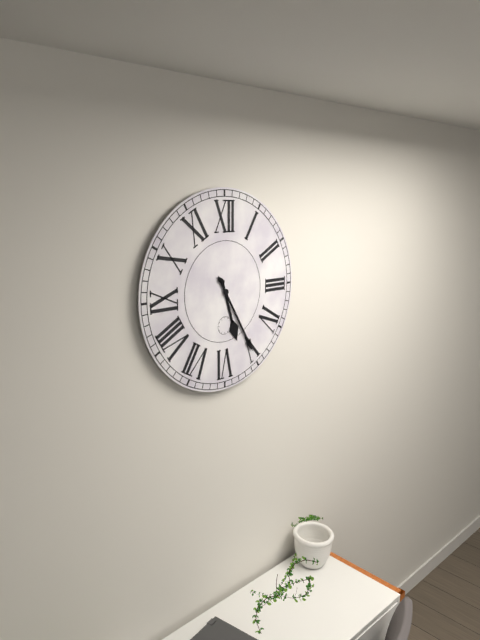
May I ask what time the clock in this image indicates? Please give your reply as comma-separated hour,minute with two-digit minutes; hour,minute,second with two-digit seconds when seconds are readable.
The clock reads 5,25
